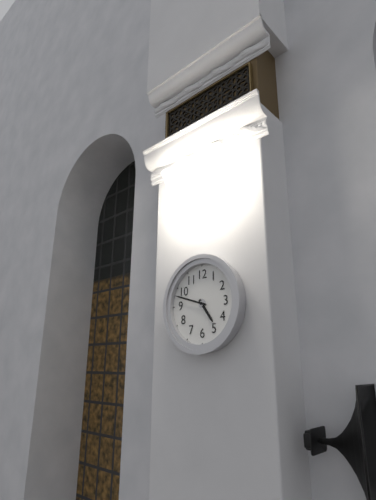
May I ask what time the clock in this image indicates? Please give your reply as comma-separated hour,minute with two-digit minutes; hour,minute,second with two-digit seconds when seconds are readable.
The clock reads 4,48
